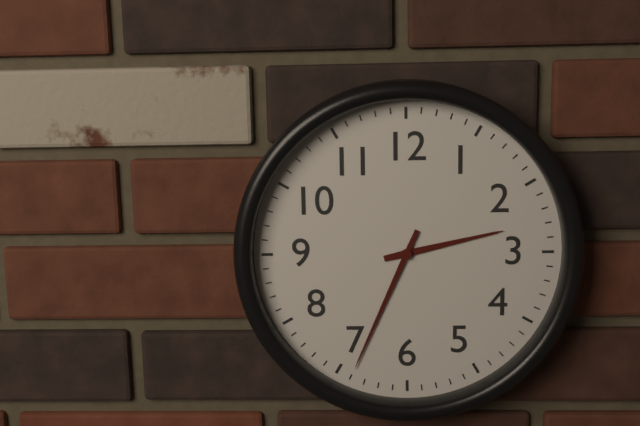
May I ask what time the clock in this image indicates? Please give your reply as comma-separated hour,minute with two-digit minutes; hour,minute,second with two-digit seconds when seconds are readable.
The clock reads 2,34
